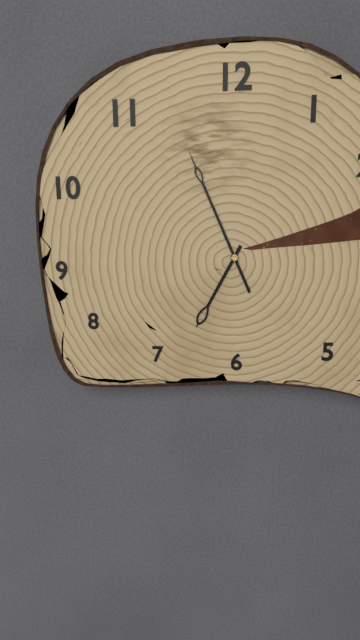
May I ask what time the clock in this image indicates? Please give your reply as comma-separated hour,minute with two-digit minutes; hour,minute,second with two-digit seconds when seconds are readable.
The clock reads 6,56
